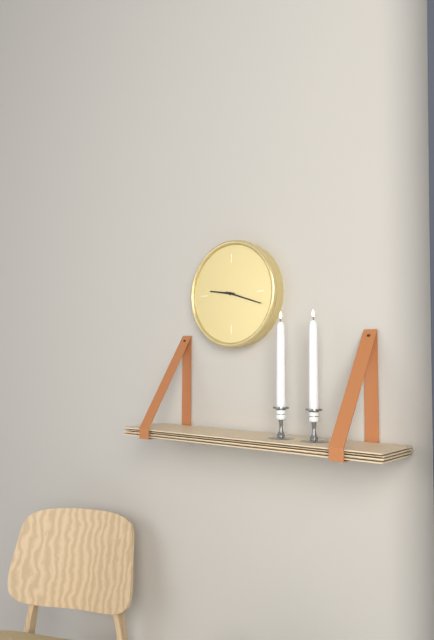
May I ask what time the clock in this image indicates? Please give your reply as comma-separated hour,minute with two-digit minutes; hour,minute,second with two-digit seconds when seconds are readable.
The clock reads 9,18
